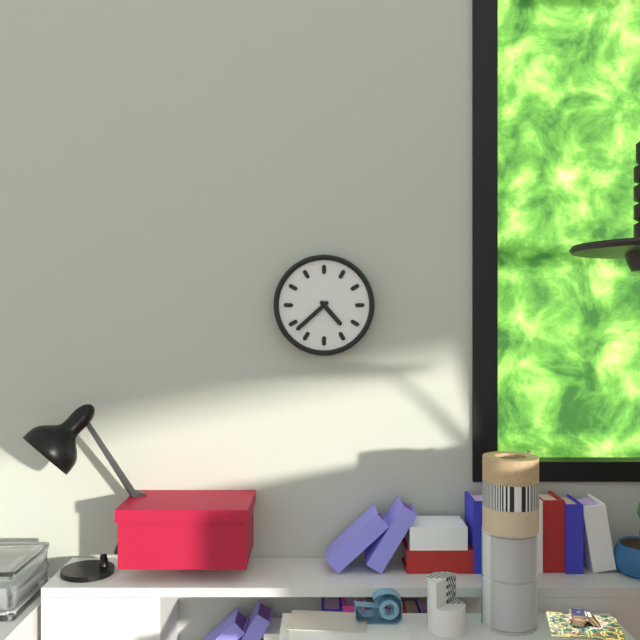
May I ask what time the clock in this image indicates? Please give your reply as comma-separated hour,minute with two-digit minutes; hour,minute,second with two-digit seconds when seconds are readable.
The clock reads 4,38
